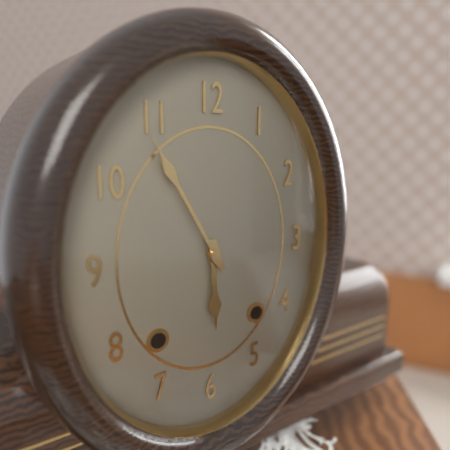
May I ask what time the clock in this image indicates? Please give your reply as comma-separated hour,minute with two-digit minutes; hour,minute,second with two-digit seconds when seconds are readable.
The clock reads 5,55
